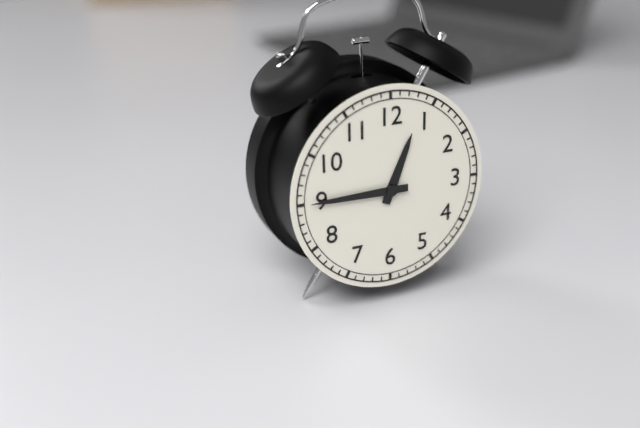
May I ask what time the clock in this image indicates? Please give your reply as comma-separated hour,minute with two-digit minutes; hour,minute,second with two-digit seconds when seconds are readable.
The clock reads 12,45
